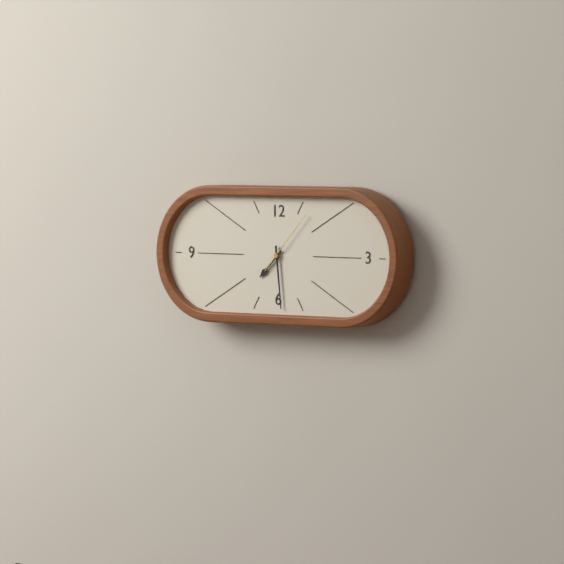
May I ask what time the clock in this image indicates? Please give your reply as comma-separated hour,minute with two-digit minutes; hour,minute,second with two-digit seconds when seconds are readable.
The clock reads 7,29,07
